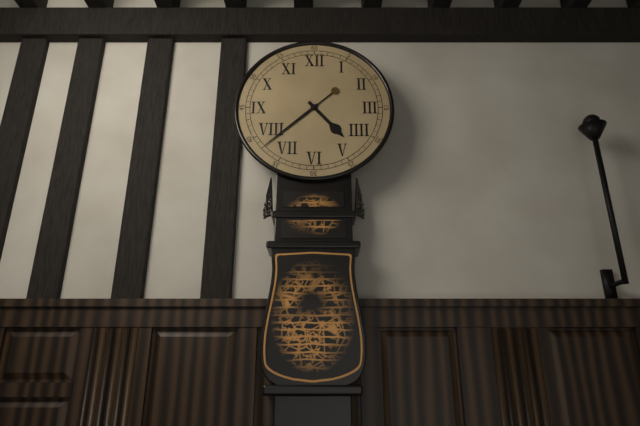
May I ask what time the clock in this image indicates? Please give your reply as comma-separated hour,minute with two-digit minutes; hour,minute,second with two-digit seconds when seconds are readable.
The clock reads 4,38
